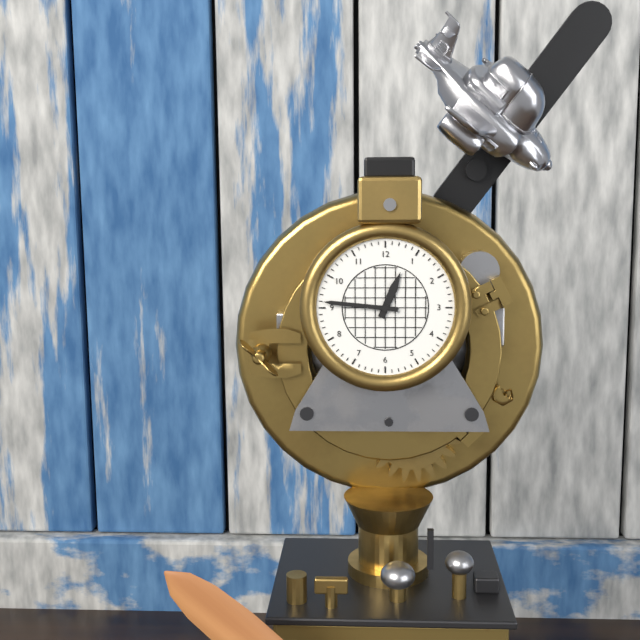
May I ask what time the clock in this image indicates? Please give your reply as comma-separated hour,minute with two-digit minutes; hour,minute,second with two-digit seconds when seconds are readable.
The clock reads 12,46
